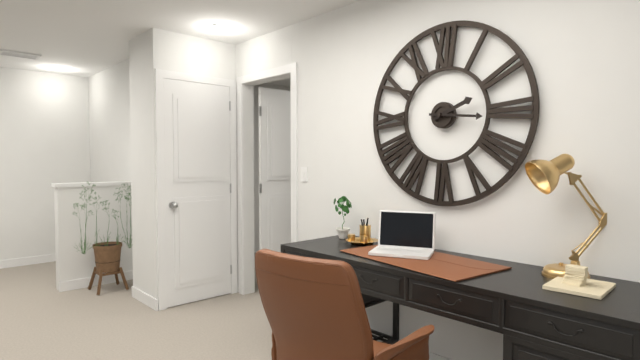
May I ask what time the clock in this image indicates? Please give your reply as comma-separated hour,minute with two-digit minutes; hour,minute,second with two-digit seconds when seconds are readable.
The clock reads 2,16
